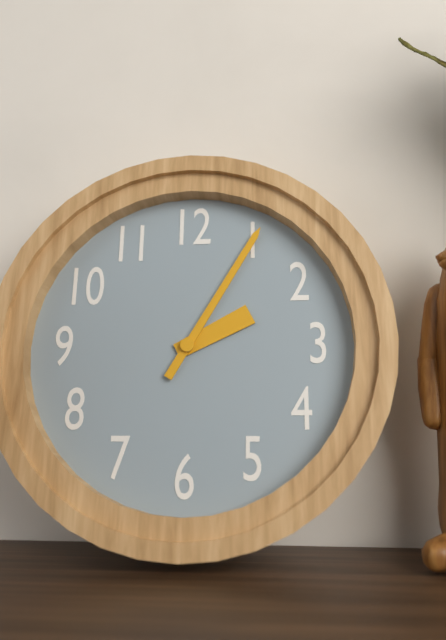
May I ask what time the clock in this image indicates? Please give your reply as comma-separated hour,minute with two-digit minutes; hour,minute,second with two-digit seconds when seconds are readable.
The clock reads 2,05
